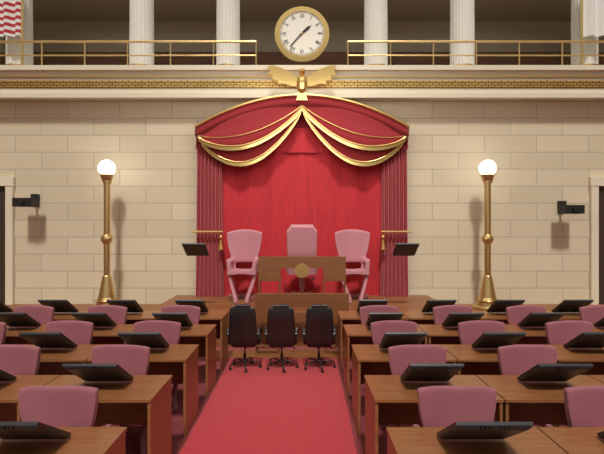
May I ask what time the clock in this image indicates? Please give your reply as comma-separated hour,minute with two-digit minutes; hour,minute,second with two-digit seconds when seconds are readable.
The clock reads 1,37
